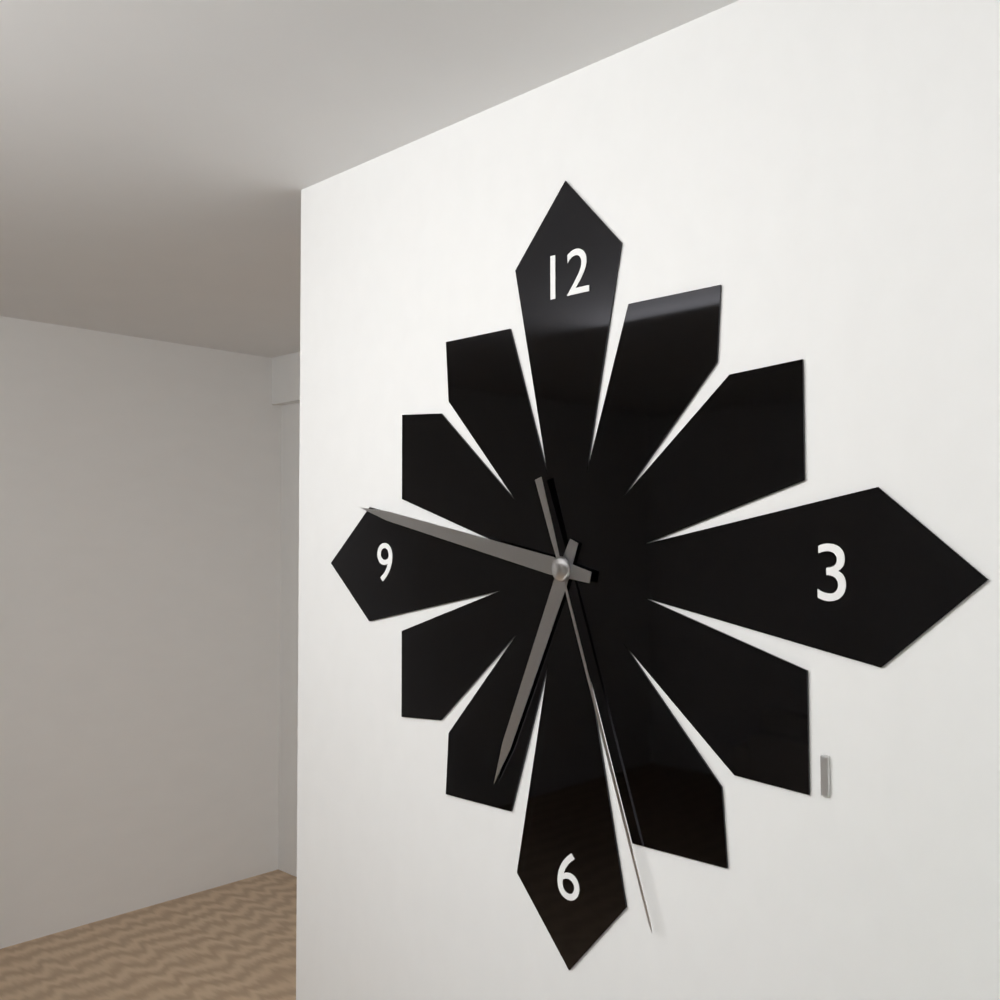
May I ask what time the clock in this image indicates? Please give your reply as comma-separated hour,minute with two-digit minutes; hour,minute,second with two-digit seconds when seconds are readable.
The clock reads 6,47,27
